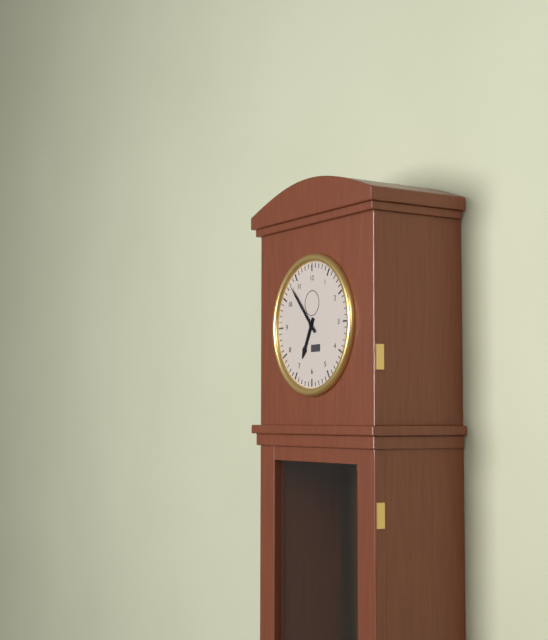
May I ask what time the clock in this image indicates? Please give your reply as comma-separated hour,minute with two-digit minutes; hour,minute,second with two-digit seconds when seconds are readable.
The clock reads 6,53
